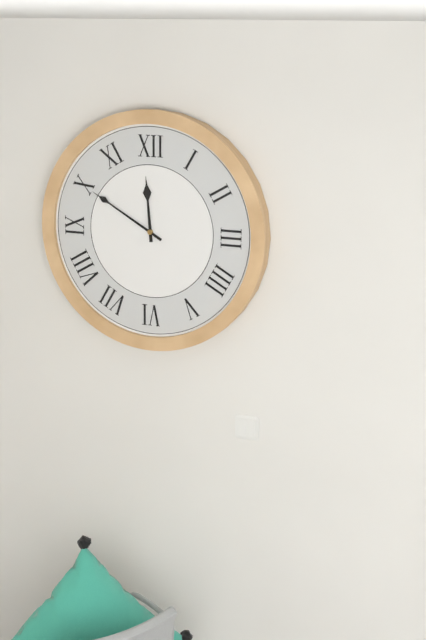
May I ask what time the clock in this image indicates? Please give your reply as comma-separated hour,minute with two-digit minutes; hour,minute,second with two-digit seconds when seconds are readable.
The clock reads 11,50
